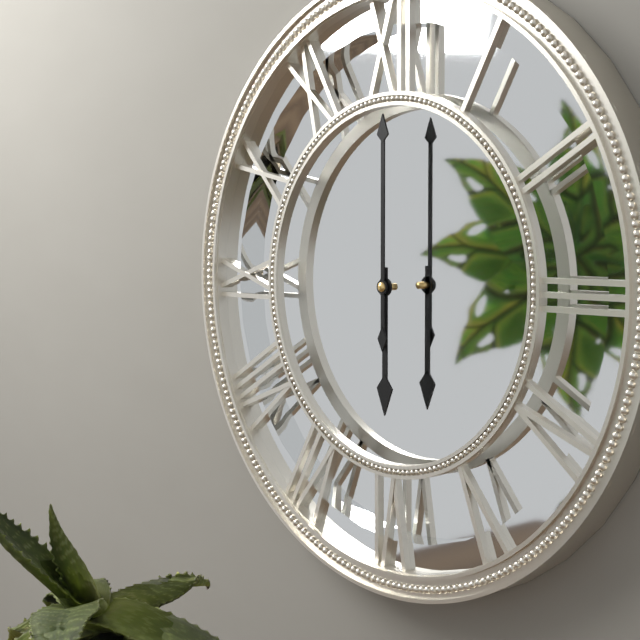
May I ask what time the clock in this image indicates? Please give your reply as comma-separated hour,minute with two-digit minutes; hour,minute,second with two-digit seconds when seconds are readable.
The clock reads 6,00
